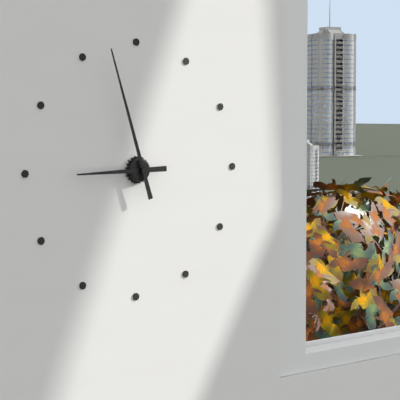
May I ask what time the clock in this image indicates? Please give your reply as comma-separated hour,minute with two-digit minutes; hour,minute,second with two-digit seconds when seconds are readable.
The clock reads 8,57
